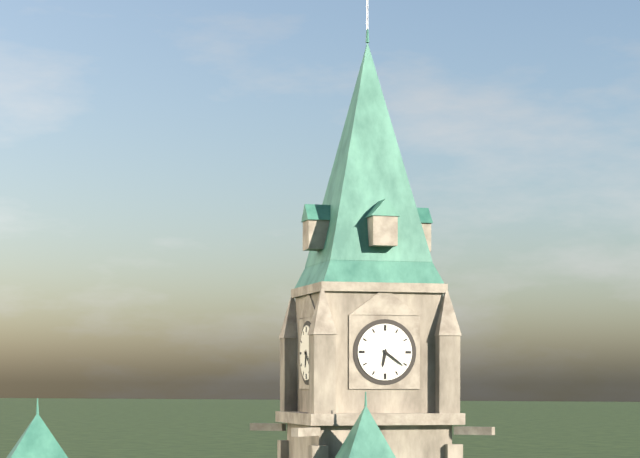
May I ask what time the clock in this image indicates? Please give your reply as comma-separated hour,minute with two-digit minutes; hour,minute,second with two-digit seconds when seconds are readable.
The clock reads 6,21
